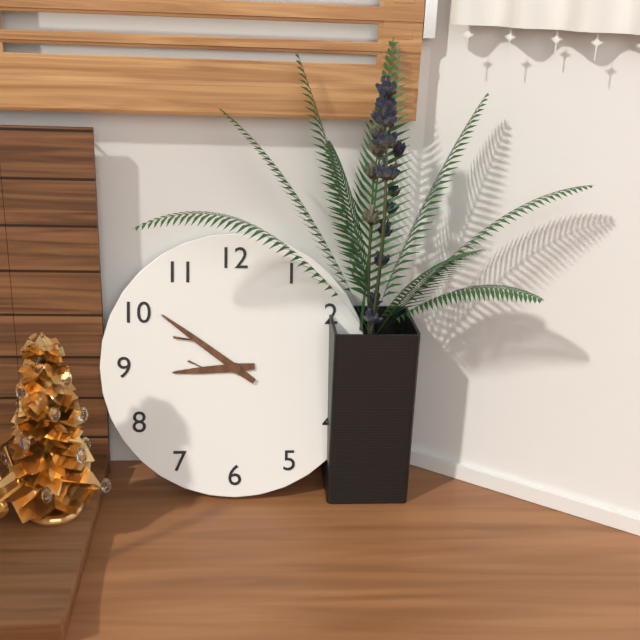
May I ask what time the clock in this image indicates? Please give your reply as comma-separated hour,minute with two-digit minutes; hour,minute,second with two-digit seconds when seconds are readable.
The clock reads 8,51
